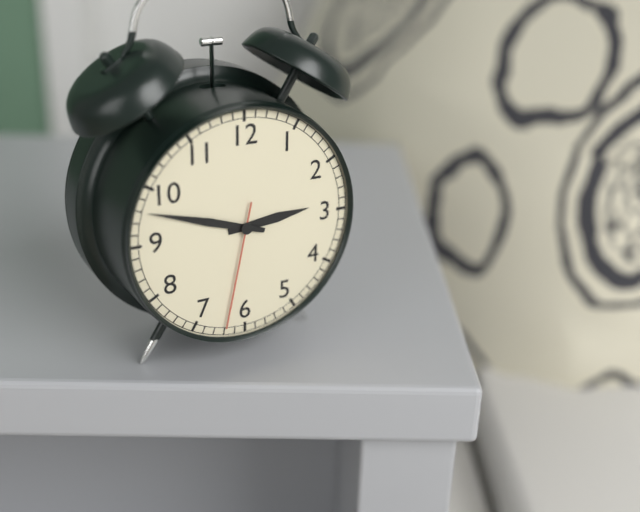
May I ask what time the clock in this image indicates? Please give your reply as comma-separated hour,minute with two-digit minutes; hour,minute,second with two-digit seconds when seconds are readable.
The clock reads 2,48,32
